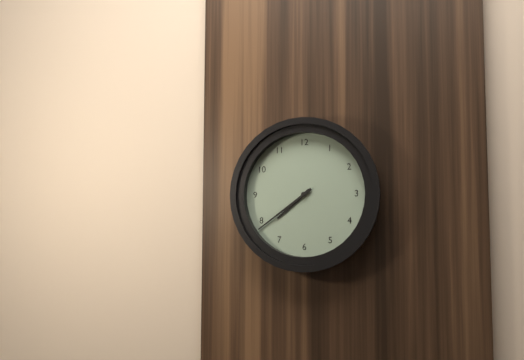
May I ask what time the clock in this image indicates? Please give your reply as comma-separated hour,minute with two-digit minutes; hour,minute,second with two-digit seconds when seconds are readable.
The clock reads 7,39
